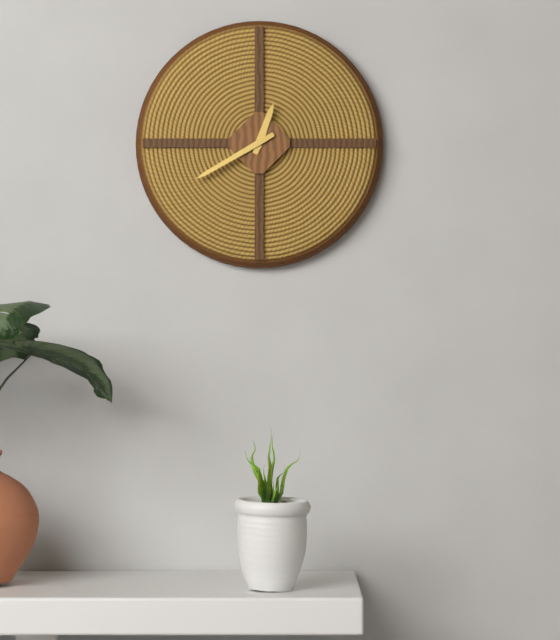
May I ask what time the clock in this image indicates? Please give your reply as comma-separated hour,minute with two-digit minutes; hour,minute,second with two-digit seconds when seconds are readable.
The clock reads 12,40
